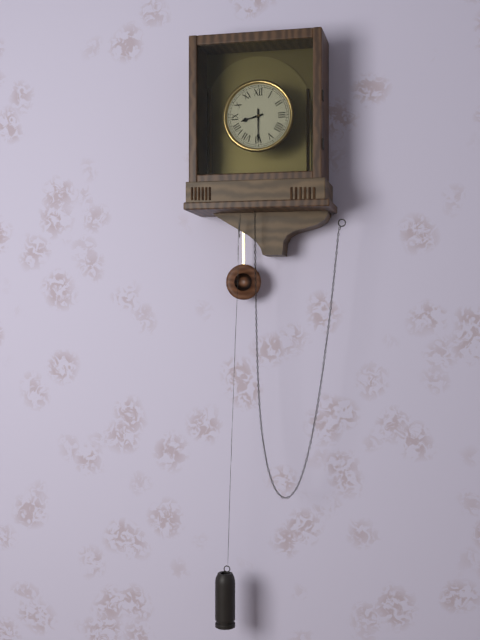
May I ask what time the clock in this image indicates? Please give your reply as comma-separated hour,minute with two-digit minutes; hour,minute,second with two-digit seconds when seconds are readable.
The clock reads 8,30
